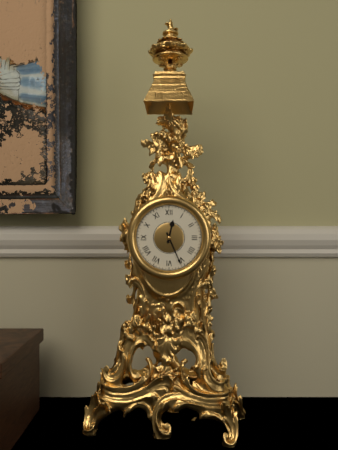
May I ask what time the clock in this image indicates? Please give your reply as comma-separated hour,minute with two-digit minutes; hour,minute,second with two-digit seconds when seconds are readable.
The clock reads 12,26
